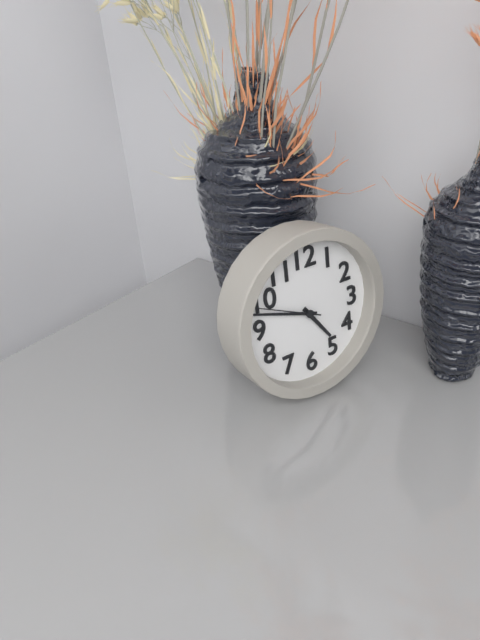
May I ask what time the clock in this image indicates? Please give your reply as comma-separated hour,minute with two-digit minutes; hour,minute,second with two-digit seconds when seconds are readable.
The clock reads 4,48,49
